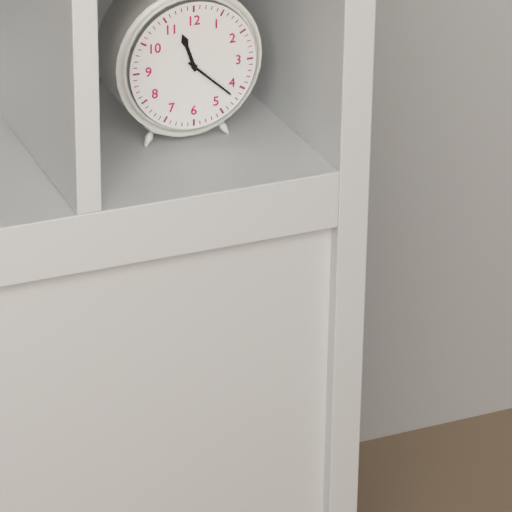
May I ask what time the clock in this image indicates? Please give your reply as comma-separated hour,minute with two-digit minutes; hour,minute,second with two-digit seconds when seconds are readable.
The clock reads 11,22
